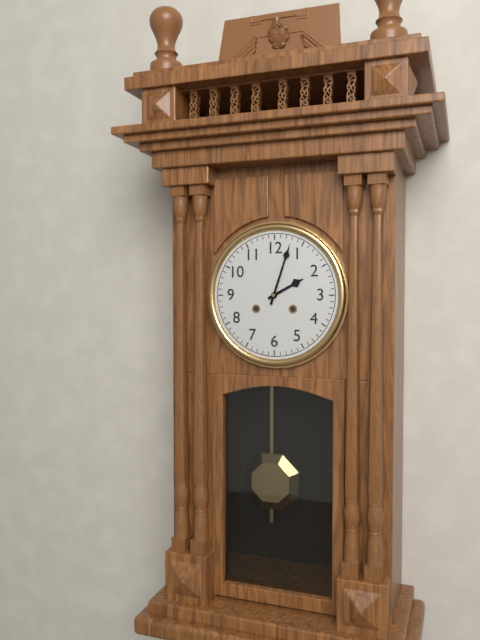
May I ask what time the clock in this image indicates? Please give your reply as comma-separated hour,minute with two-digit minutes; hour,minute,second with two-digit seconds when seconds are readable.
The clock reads 2,03
